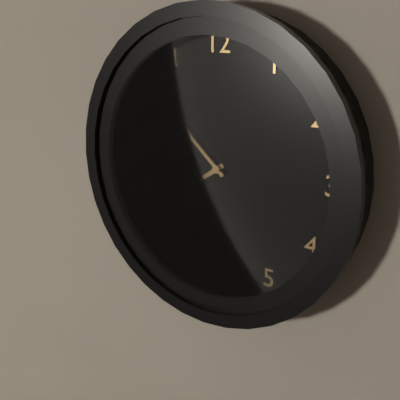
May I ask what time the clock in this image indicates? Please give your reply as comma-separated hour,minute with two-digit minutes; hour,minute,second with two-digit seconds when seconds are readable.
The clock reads 7,52
